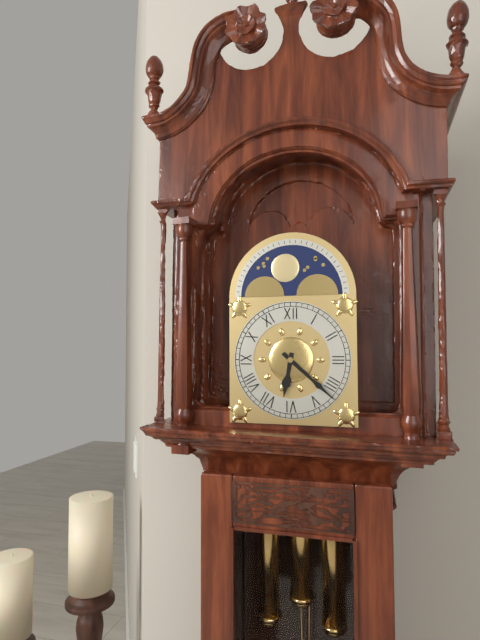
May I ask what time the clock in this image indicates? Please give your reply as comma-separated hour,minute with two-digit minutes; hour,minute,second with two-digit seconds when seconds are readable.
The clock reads 6,22
